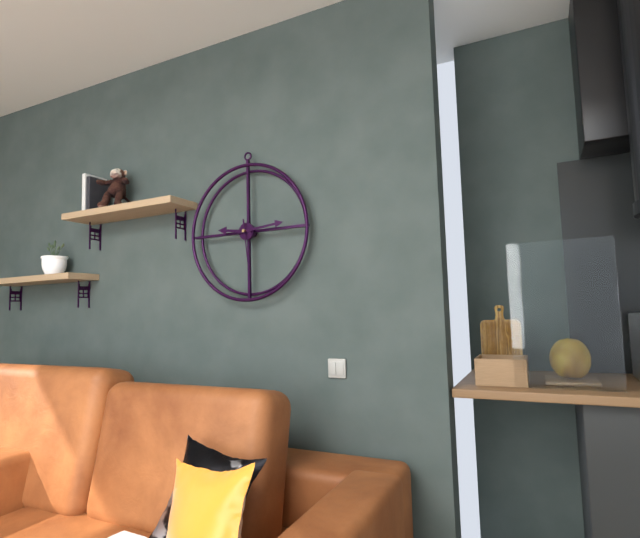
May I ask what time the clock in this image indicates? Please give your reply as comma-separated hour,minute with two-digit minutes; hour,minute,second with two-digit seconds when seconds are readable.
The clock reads 9,14,29
